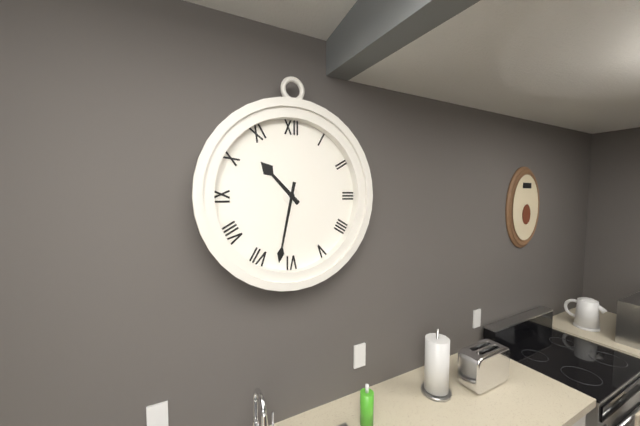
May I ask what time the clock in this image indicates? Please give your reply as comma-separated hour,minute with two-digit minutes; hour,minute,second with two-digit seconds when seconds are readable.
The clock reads 10,32
